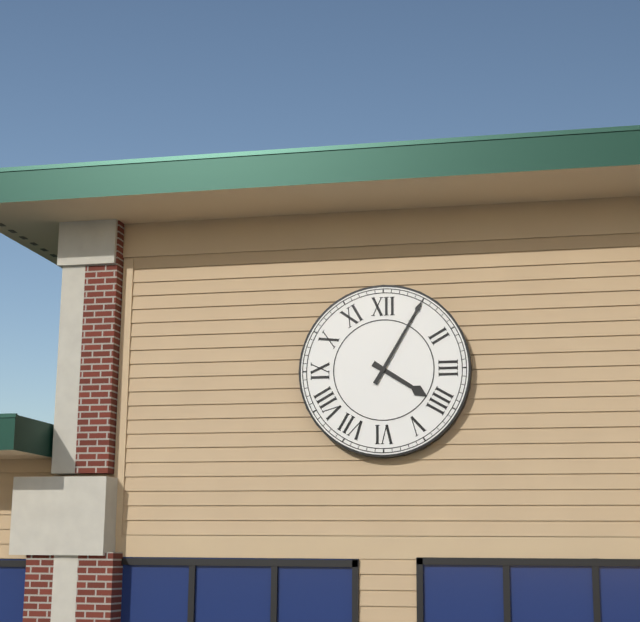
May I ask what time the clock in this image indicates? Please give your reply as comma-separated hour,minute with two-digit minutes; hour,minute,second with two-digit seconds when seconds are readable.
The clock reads 4,05
